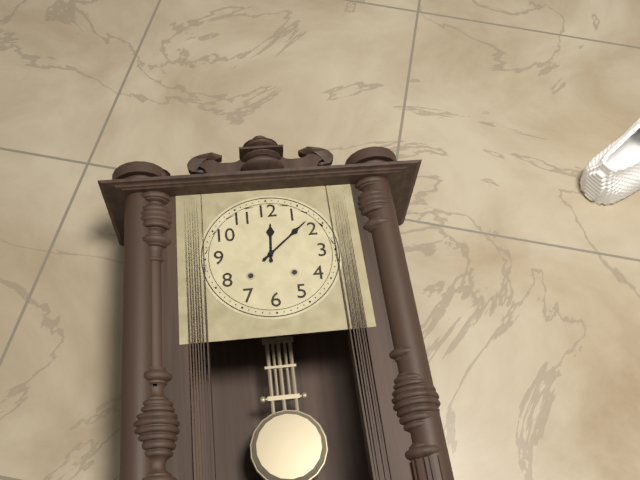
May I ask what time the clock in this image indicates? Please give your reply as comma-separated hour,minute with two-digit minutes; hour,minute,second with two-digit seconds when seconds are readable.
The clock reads 12,08
